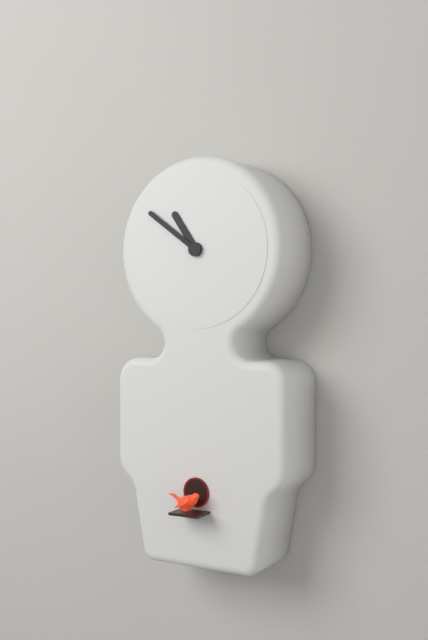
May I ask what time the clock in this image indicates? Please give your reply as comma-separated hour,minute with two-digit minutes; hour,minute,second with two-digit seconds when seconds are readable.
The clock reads 10,51
